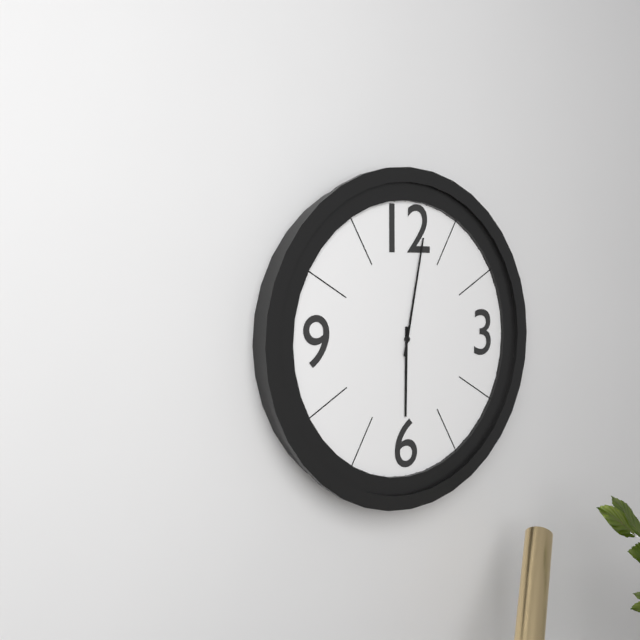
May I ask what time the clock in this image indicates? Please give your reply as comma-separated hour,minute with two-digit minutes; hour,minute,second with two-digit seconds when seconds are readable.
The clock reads 6,02
